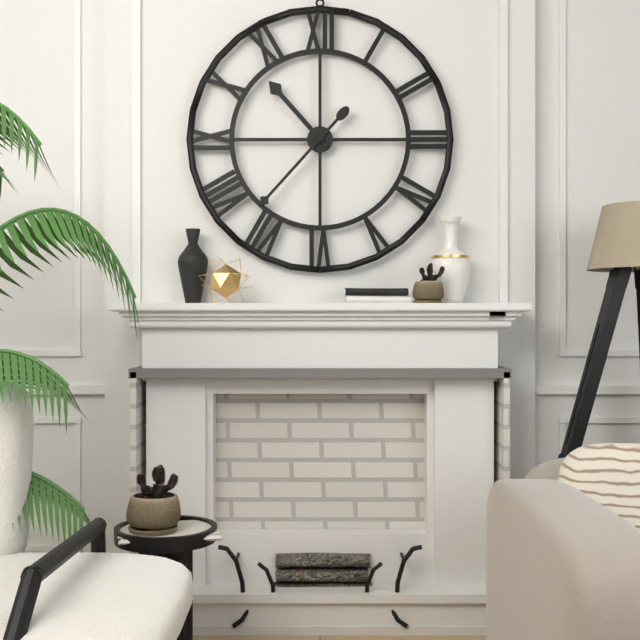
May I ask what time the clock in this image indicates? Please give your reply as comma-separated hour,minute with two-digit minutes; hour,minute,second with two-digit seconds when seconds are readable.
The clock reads 10,37
